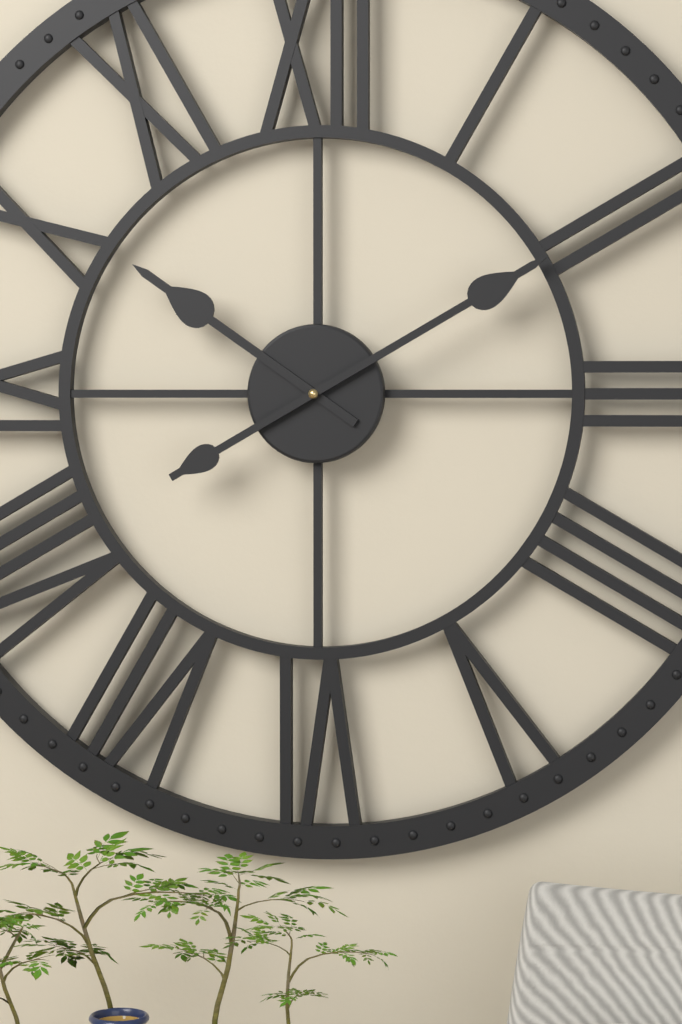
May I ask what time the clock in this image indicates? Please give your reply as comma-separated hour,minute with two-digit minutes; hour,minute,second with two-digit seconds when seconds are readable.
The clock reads 10,10
